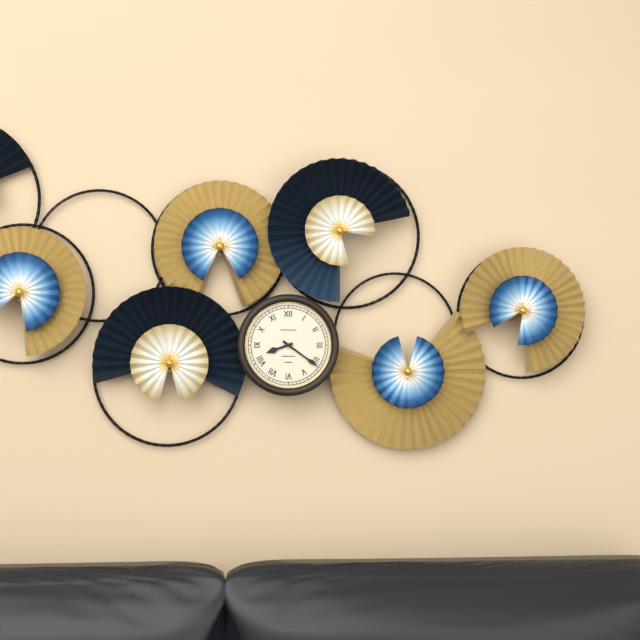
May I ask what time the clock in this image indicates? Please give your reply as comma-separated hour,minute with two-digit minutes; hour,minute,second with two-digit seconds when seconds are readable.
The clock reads 8,21
